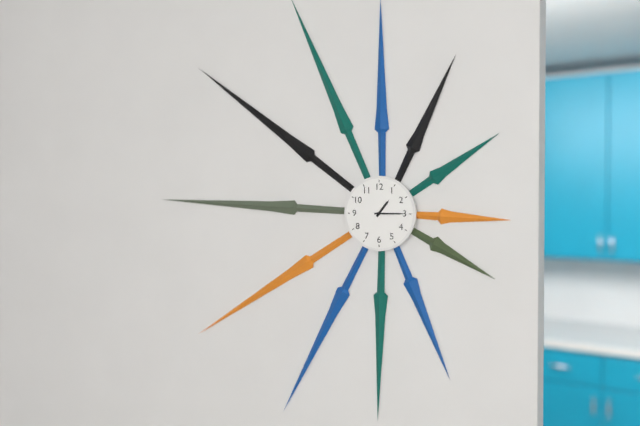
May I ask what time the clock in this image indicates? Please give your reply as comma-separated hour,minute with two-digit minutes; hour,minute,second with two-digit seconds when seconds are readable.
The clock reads 1,15
